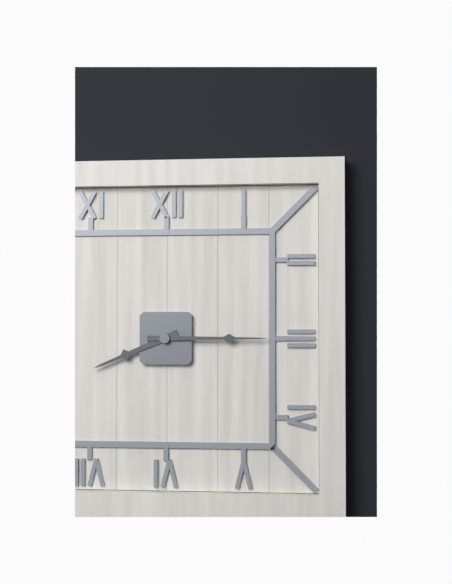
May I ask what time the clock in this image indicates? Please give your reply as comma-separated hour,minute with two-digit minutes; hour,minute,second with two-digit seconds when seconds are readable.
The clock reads 8,15
